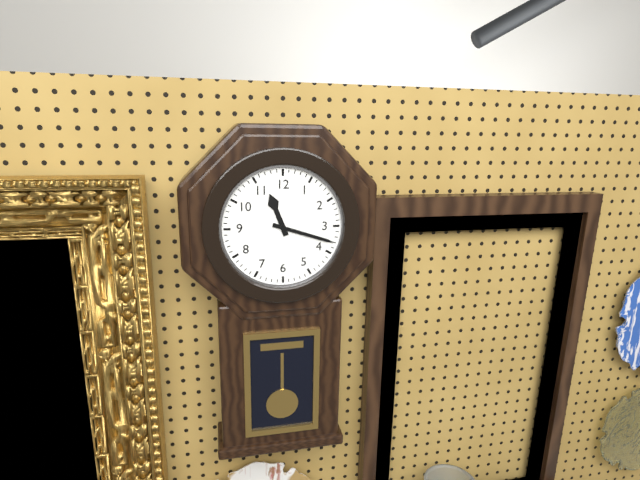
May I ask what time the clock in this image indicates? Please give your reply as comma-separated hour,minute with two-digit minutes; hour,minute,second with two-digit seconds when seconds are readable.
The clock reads 11,18
